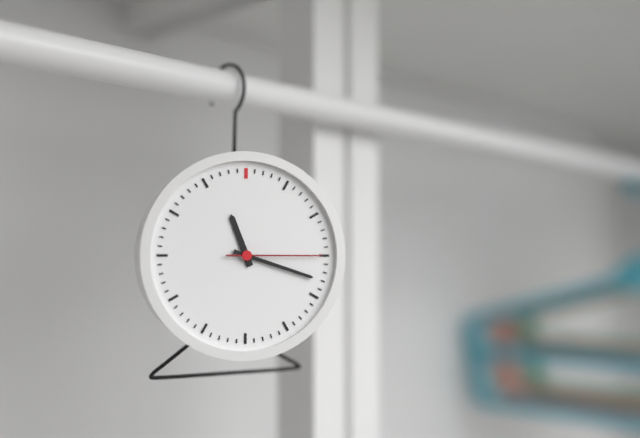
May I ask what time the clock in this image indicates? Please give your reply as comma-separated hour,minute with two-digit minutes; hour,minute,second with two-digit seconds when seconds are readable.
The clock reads 11,18,15
